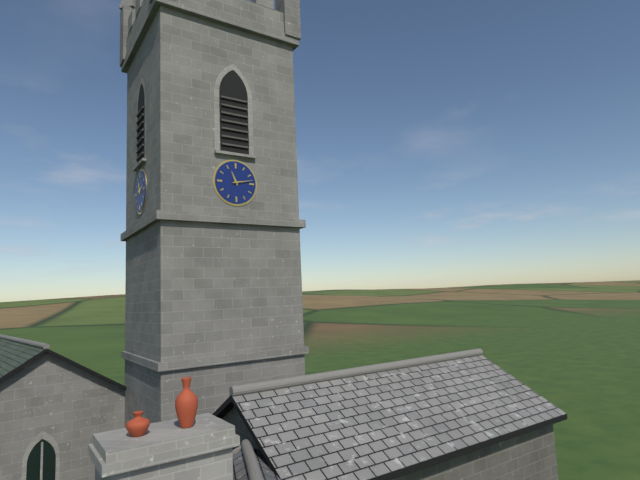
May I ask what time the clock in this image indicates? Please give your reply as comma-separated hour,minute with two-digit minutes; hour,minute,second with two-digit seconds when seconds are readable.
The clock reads 11,13
